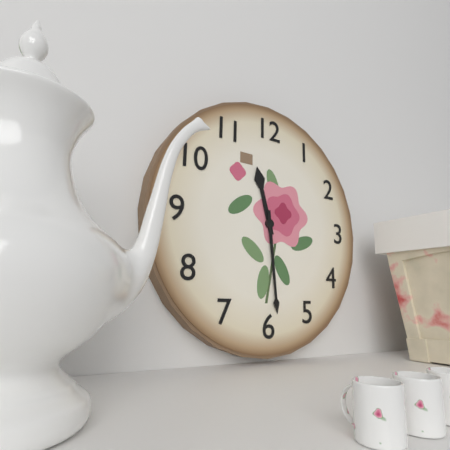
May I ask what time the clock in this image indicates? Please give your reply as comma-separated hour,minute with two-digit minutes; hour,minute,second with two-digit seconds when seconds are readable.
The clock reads 11,29
